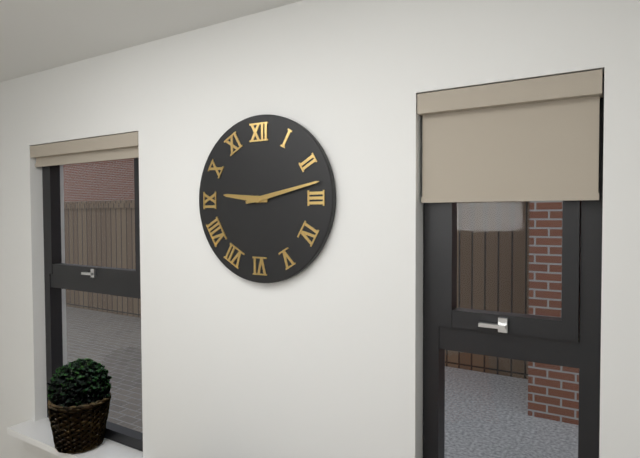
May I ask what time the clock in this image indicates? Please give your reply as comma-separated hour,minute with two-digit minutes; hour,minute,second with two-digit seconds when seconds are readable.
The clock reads 9,13
